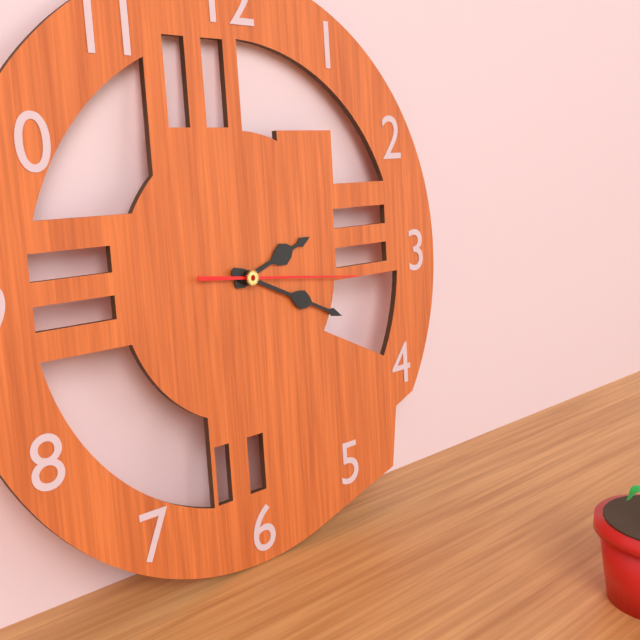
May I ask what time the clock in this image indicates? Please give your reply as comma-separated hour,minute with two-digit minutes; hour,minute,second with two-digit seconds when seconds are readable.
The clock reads 2,19,16
